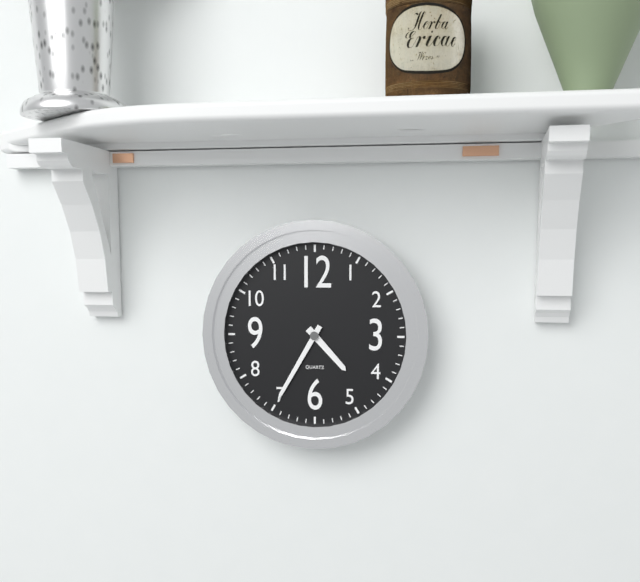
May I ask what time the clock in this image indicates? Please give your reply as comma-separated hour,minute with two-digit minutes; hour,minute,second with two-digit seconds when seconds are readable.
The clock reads 4,35
